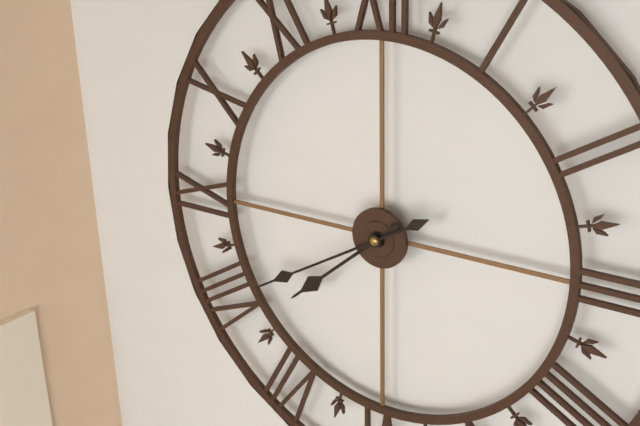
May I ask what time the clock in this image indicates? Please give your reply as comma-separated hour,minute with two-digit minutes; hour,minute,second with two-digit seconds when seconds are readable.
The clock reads 7,40
